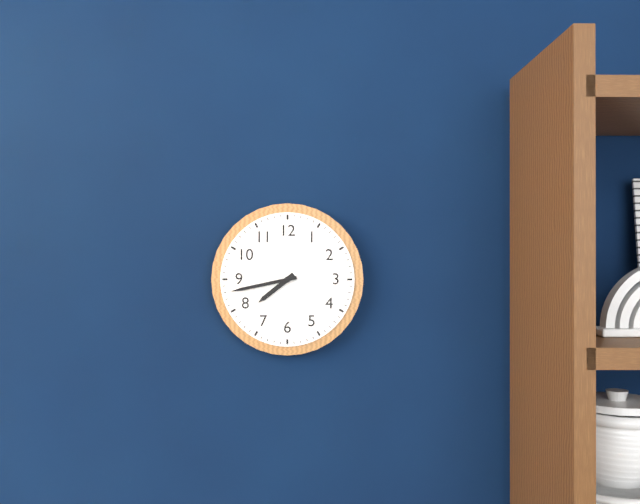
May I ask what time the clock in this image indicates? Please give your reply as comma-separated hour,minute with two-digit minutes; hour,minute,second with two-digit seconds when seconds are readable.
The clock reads 7,43
